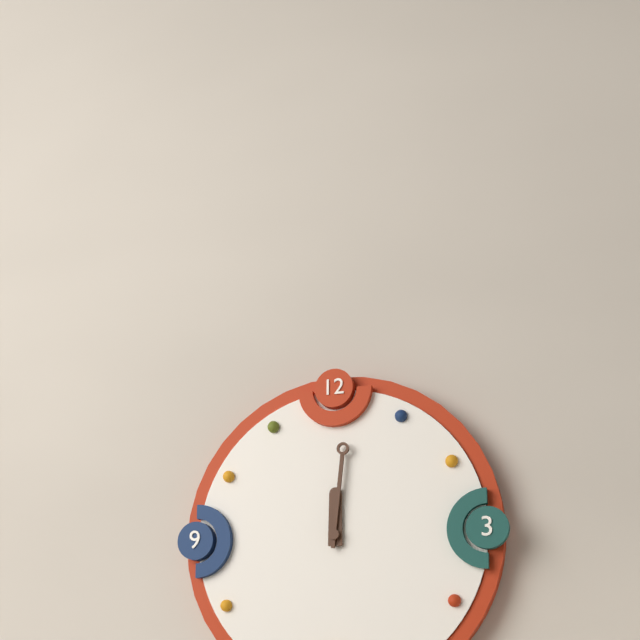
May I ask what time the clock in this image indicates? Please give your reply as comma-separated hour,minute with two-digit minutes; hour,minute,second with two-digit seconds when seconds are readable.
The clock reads 12,01
